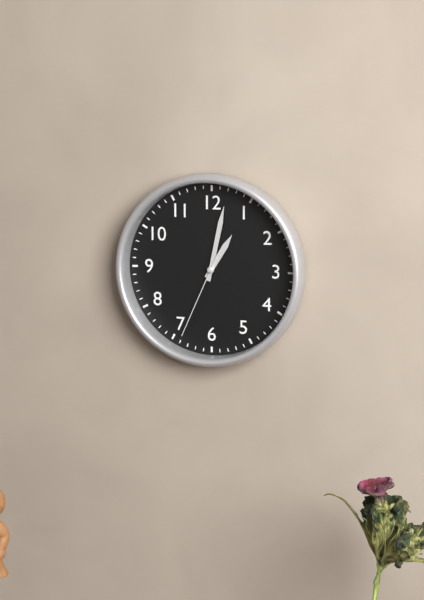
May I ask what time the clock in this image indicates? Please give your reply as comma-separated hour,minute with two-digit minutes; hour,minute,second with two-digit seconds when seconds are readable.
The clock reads 1,02,34
